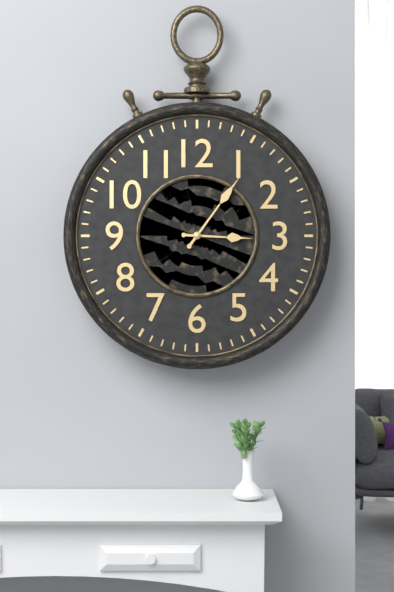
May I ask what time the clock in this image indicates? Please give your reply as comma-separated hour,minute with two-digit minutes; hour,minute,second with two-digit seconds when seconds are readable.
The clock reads 3,06
